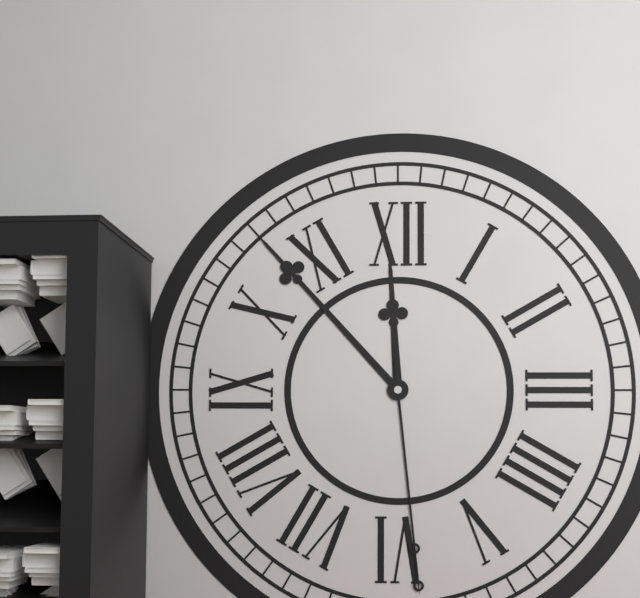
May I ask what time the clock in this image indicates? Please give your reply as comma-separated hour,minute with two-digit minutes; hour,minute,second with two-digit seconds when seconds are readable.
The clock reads 11,53,29
